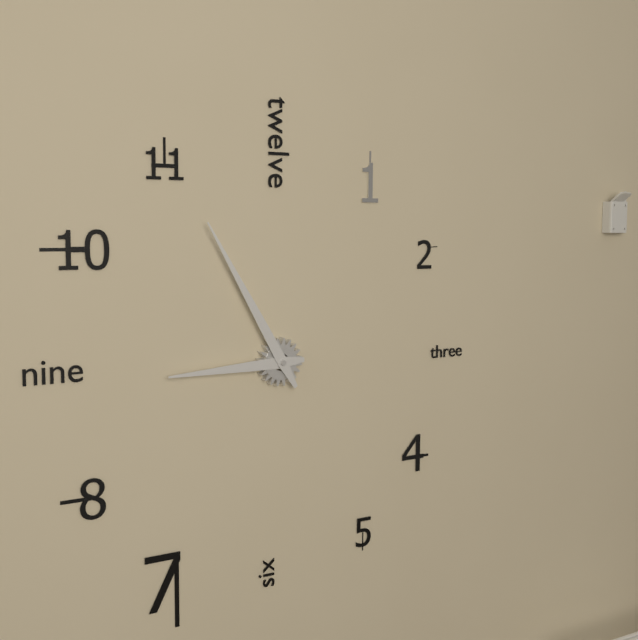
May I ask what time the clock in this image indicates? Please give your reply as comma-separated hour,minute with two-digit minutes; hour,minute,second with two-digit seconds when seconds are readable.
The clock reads 8,55
